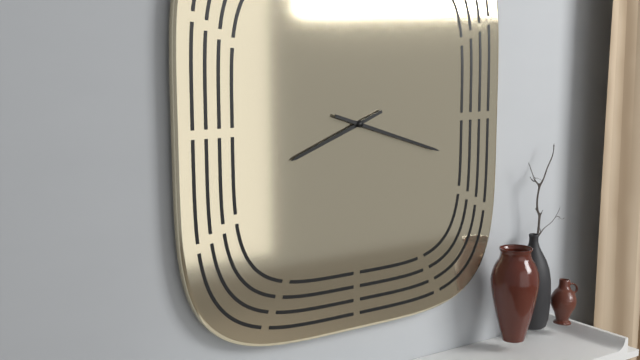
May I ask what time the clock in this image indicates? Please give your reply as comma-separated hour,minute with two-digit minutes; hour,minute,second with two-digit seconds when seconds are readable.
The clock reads 8,18
